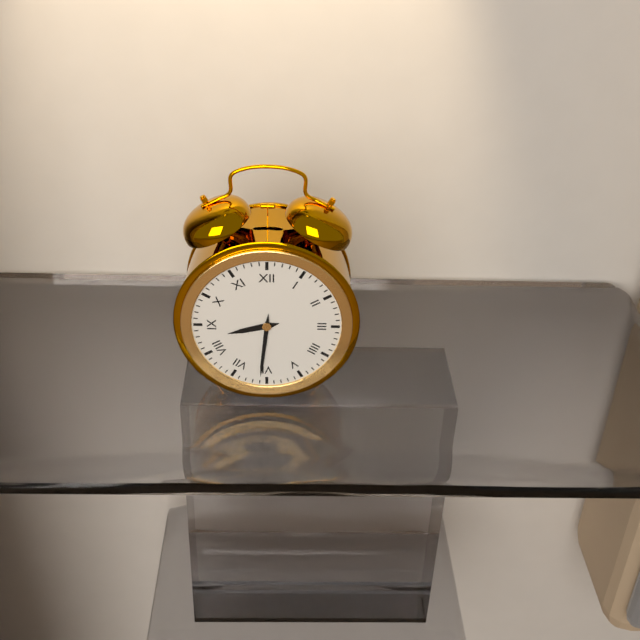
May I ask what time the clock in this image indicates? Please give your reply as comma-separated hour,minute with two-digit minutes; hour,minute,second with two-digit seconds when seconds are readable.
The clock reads 8,31
